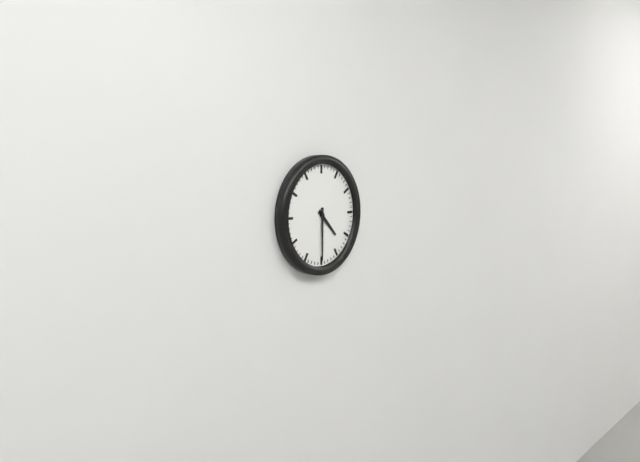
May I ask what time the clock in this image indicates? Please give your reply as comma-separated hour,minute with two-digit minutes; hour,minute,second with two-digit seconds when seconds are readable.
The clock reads 4,30
